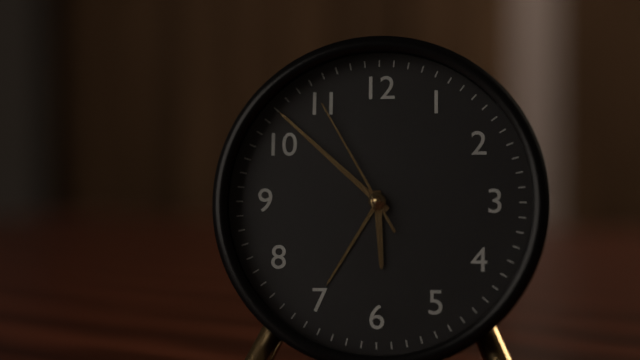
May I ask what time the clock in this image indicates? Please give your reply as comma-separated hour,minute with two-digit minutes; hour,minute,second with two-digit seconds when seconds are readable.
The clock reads 5,52,55
